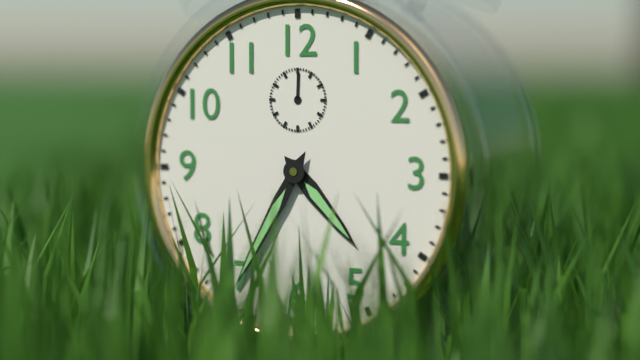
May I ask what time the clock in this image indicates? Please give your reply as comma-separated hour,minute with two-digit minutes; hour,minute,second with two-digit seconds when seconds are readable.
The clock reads 4,35
